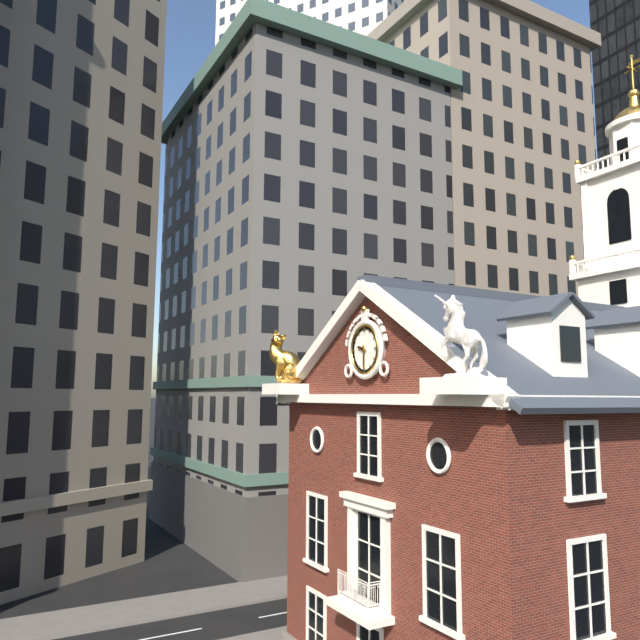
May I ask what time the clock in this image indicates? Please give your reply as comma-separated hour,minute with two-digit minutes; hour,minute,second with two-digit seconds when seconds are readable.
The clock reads 9,30
